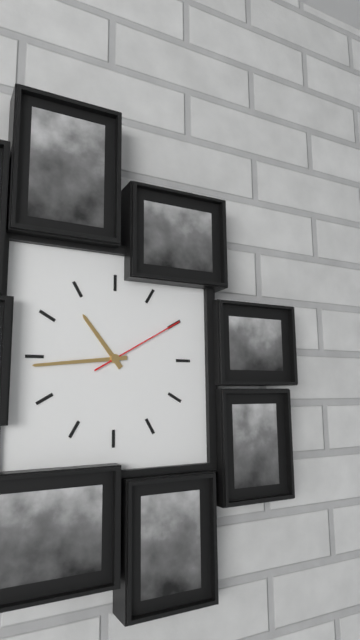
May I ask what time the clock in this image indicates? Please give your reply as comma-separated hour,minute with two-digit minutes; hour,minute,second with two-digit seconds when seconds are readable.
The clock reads 10,44,10
